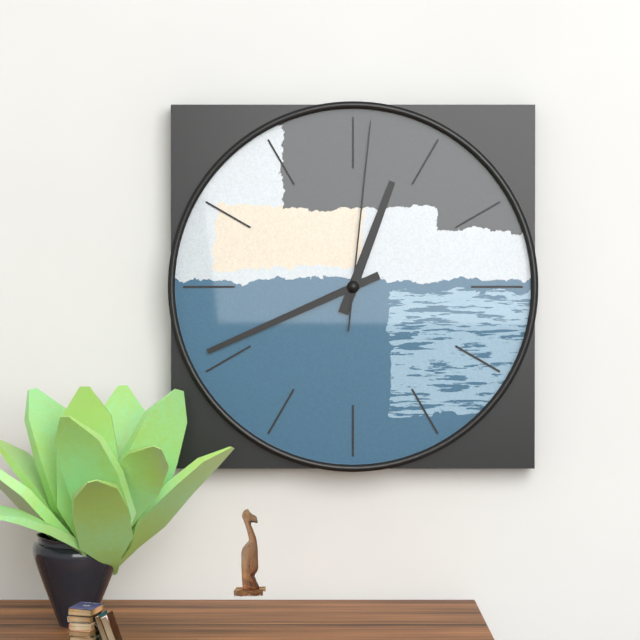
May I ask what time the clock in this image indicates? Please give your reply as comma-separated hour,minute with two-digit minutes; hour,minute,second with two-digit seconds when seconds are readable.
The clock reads 12,41,01
